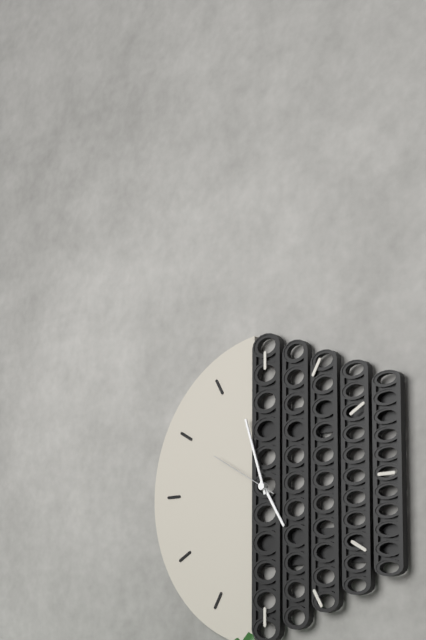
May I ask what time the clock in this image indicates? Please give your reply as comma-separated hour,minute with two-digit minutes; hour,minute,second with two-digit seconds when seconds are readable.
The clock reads 4,57,50
